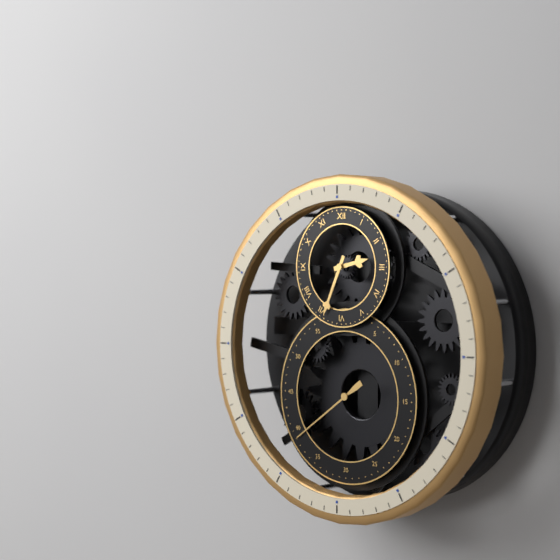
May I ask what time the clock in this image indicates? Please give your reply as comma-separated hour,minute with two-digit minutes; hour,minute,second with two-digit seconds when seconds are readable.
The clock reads 2,34,39
